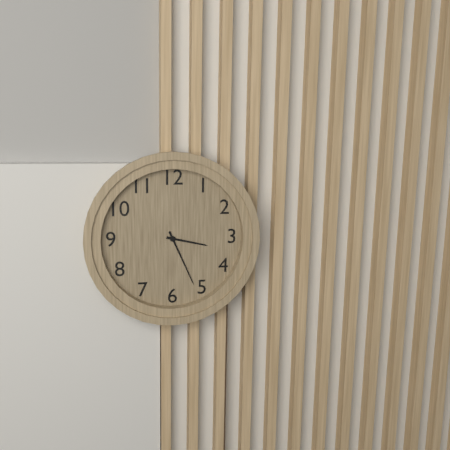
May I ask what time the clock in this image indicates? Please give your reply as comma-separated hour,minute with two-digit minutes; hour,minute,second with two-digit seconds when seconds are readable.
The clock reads 3,26
